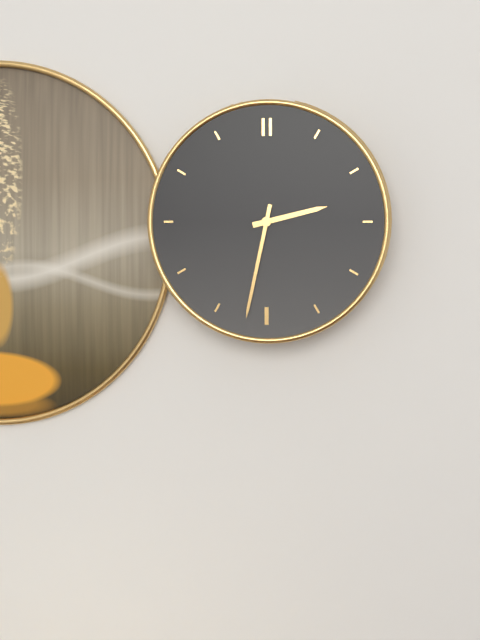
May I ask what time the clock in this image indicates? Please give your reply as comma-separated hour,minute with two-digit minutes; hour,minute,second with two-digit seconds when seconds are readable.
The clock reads 2,32
